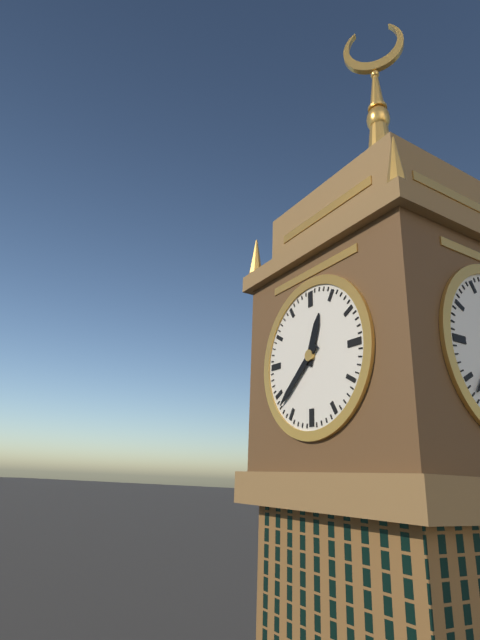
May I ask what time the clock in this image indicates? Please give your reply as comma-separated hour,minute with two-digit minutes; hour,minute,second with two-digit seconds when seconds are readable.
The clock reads 12,38
